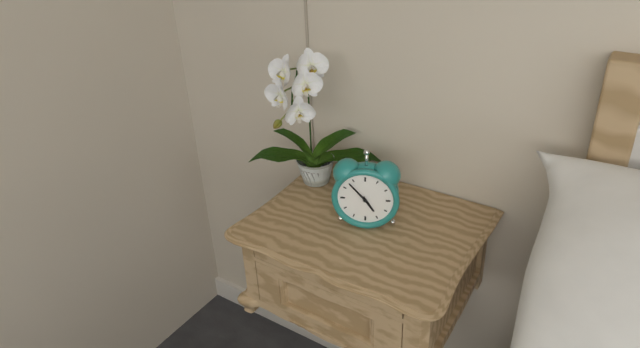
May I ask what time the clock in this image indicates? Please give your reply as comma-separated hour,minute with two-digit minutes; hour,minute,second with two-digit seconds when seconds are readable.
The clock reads 4,53
